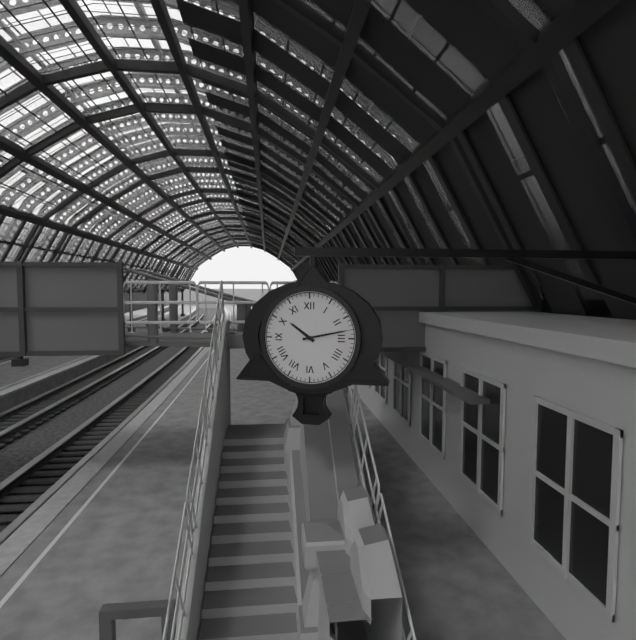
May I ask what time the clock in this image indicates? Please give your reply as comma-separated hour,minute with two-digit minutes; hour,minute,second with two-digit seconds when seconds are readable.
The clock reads 10,13
